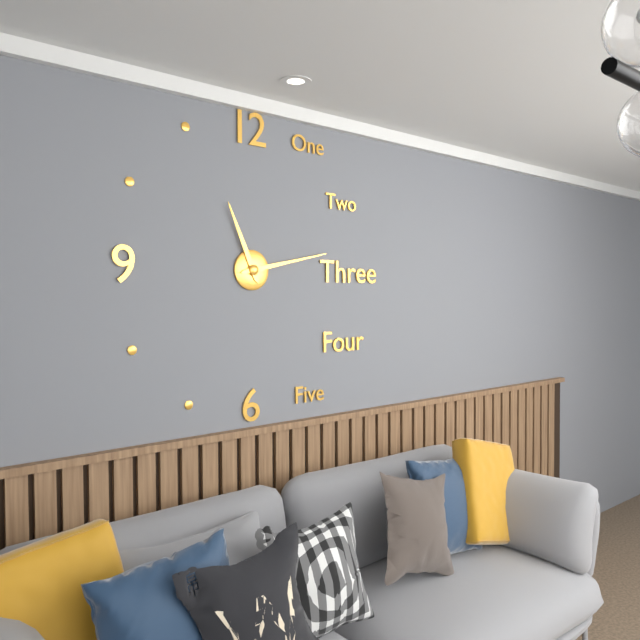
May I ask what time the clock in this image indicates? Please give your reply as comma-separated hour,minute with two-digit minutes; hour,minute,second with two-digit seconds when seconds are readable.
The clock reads 11,13
